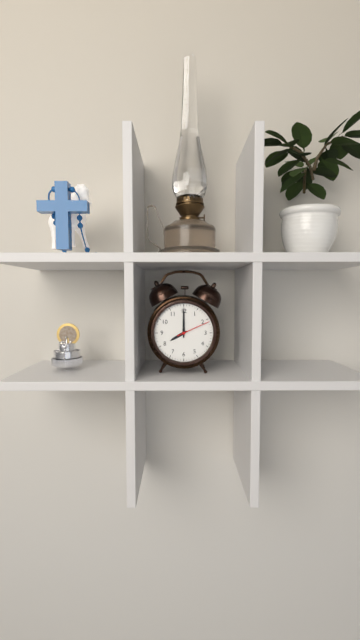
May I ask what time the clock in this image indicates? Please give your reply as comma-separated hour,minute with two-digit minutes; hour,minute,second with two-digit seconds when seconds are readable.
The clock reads 8,00
